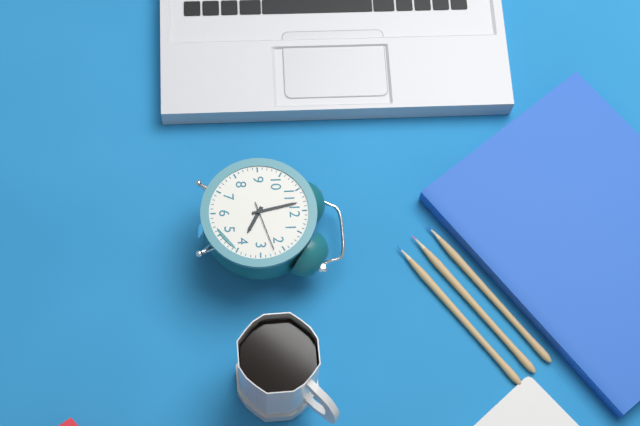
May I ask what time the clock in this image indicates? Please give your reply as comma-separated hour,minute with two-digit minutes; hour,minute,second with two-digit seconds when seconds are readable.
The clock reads 3,58,12
